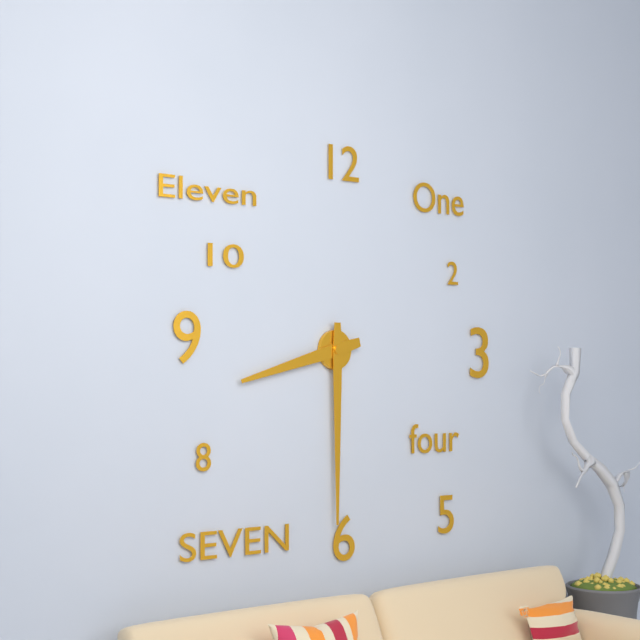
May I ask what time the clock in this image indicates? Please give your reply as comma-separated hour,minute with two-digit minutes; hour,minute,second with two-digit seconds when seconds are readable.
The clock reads 8,30
